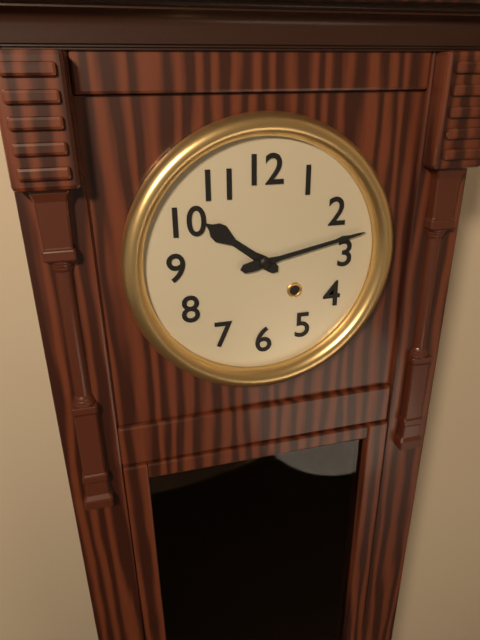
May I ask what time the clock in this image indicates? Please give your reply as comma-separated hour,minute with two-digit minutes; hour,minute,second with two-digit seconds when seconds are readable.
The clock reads 10,13
